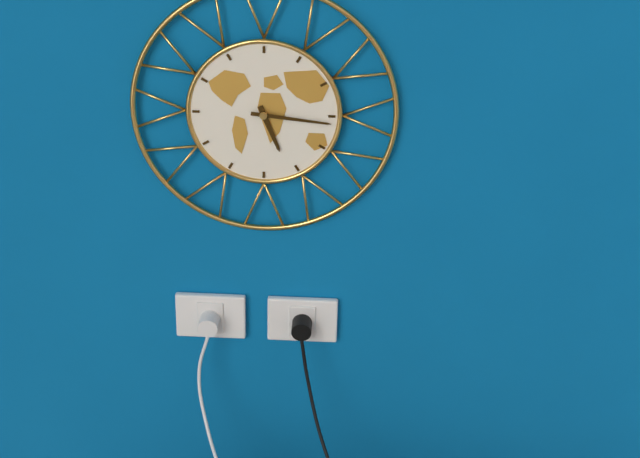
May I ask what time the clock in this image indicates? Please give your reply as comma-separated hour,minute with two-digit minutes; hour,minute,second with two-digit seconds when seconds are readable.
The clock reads 5,16
